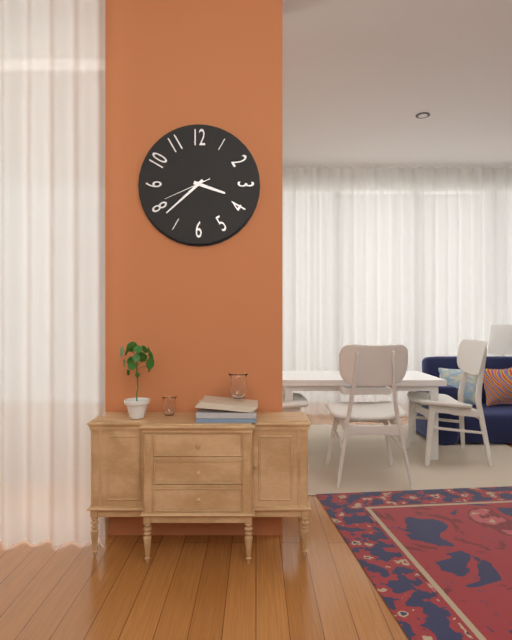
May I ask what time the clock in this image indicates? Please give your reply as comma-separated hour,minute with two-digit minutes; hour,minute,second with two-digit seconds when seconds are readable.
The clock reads 3,38
